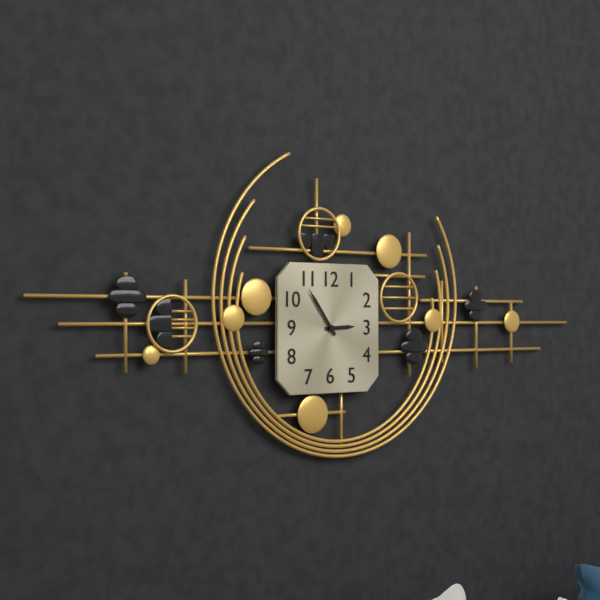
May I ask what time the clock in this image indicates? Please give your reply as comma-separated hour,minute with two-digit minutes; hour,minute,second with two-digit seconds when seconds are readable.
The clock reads 2,54
